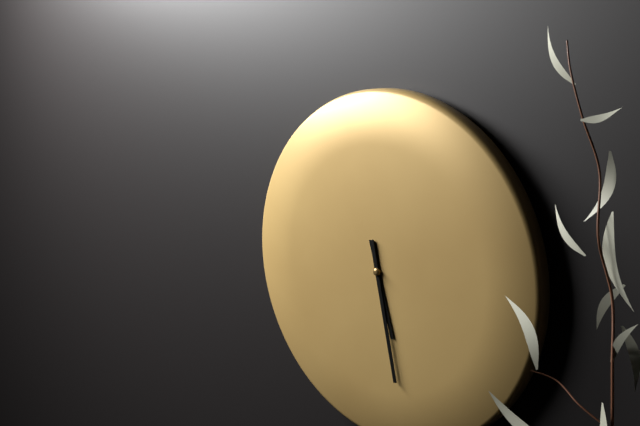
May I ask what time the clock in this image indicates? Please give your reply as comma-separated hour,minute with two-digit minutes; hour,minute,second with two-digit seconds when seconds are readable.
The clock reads 5,28
